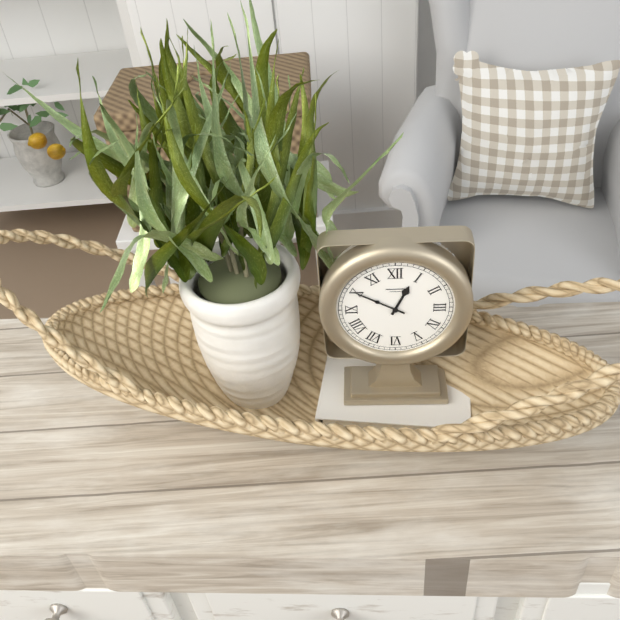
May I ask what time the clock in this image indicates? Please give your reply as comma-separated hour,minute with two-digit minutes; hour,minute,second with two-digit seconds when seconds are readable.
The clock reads 12,50
